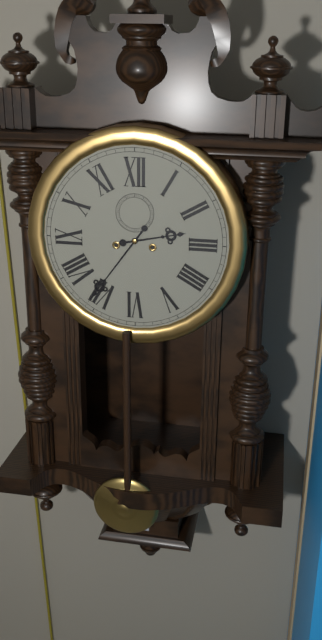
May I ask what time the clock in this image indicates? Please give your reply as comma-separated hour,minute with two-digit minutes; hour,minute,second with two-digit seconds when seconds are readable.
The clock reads 2,36
